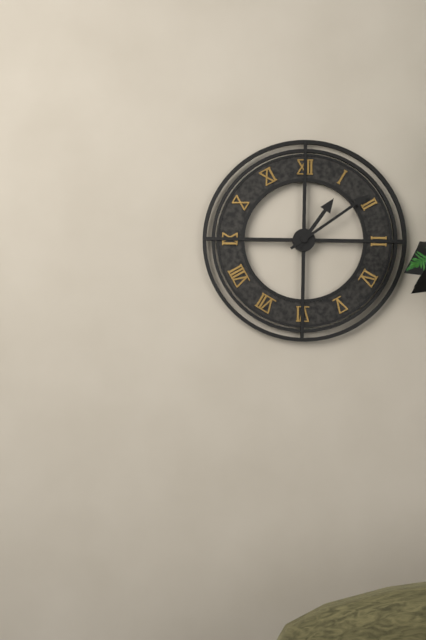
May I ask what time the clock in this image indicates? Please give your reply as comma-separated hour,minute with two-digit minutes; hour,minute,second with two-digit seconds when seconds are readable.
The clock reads 1,09
